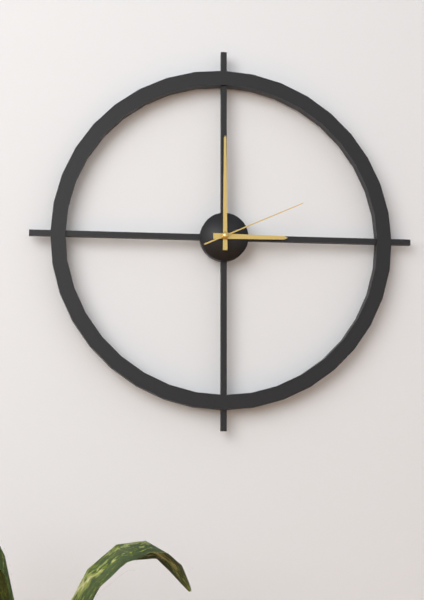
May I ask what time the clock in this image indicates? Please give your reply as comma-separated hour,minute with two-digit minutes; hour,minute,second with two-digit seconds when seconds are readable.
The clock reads 3,00,11
